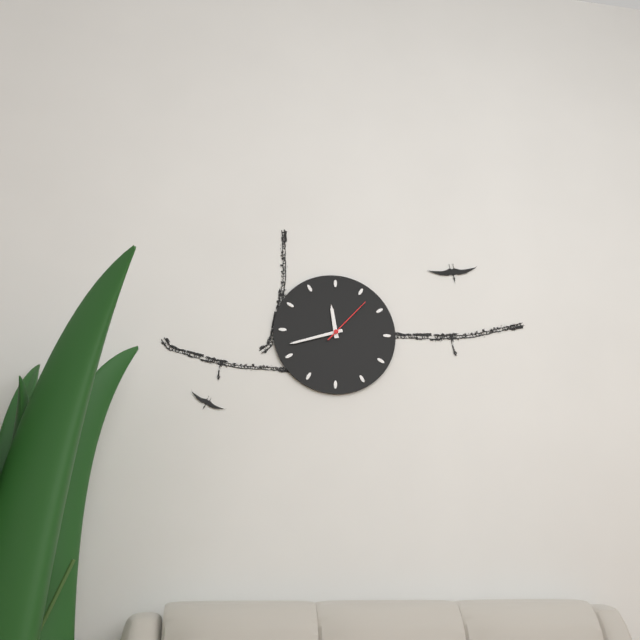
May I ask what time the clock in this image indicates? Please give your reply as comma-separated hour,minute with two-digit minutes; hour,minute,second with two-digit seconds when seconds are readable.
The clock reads 11,42,07
